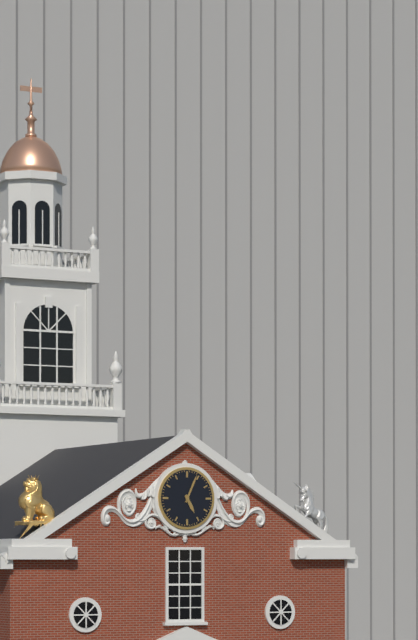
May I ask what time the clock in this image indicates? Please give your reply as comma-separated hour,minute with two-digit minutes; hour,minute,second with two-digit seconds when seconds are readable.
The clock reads 5,04
